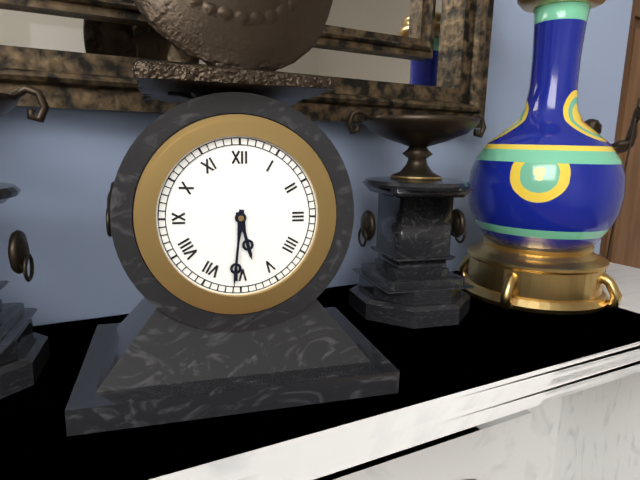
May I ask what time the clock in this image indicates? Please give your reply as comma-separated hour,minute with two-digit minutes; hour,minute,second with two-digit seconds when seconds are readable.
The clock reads 5,31
